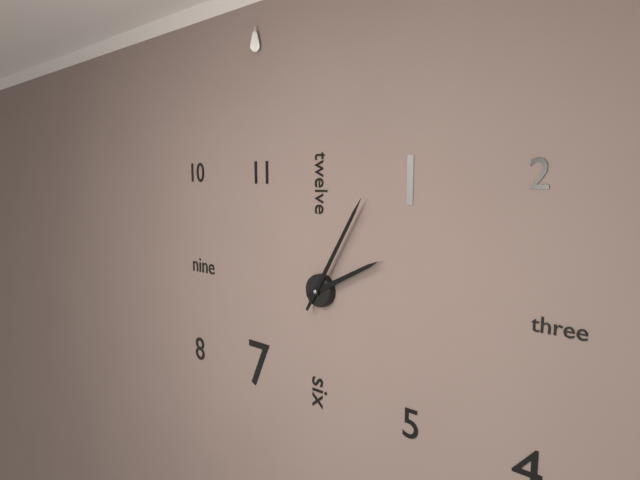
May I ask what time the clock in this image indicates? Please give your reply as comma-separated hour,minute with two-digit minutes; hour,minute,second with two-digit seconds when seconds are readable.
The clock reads 2,05
